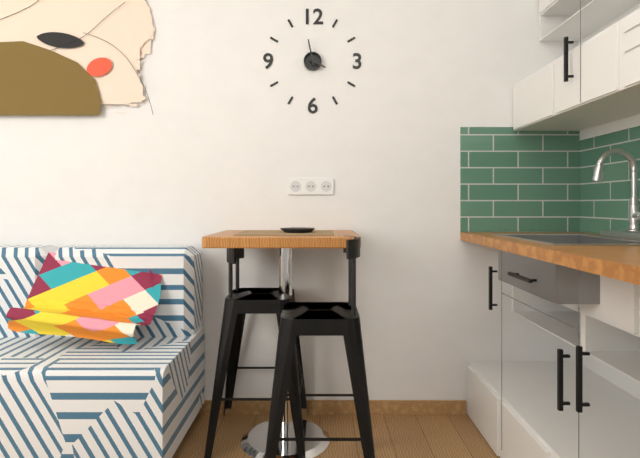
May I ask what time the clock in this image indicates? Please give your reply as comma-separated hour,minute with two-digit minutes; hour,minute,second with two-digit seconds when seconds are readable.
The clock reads 3,58
